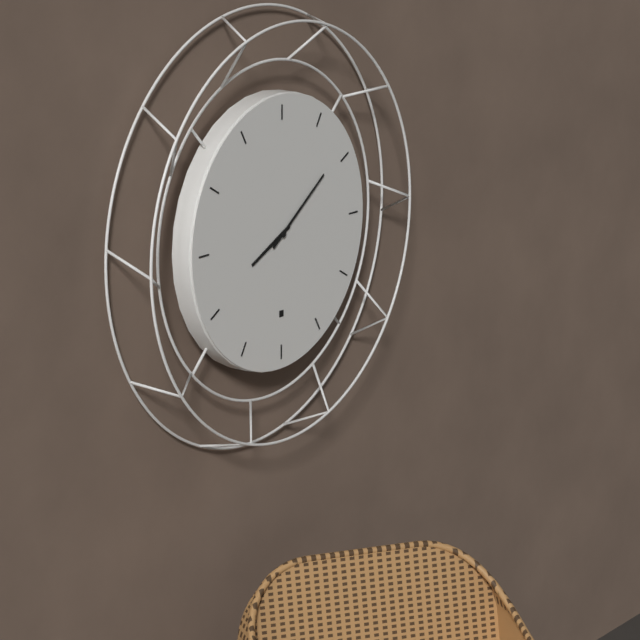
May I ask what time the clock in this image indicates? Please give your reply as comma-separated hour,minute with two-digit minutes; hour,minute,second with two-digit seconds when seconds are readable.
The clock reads 8,09
